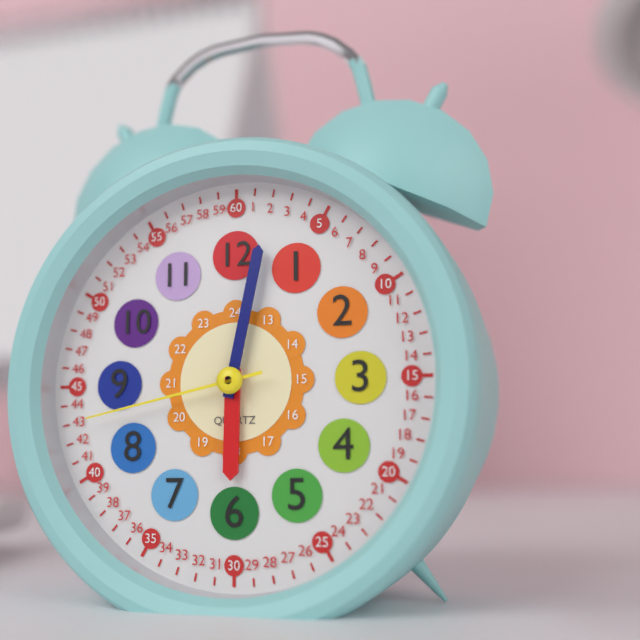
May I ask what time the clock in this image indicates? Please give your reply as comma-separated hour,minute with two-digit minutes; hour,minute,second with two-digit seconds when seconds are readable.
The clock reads 6,02,43
